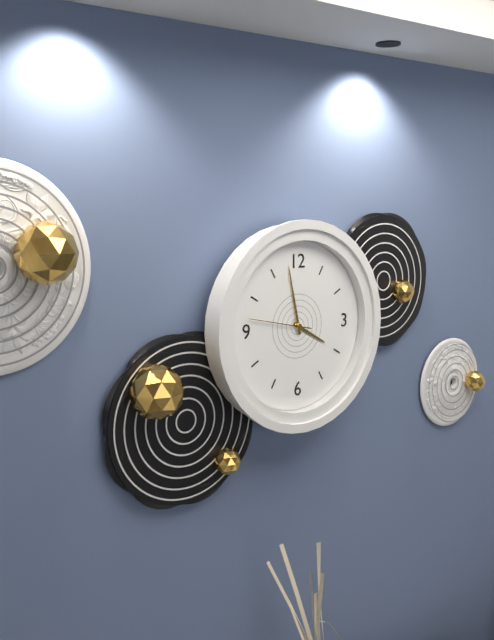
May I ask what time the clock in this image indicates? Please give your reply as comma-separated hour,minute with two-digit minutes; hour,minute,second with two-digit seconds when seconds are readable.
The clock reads 3,58,47
